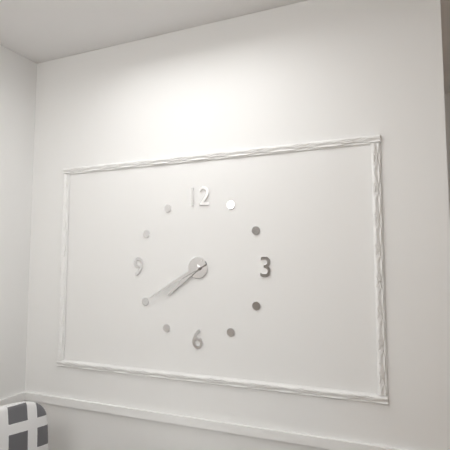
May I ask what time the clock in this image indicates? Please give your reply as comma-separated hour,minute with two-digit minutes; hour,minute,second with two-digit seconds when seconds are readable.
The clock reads 7,40
